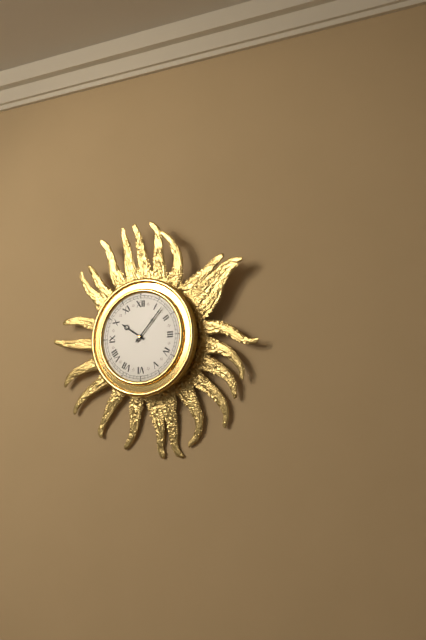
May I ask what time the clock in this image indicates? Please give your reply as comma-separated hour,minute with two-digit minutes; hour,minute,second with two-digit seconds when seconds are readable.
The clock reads 10,07
